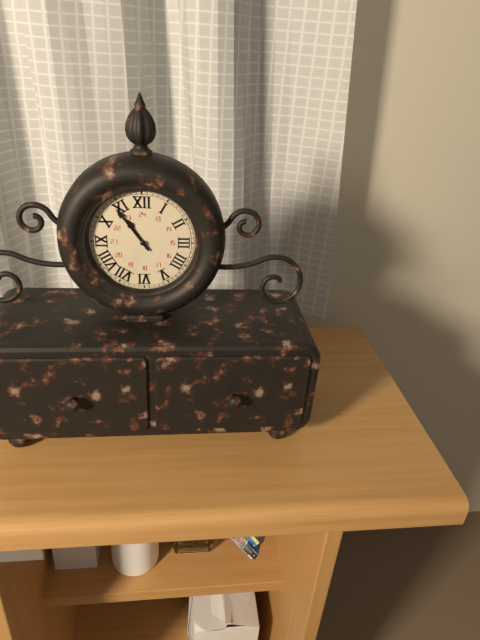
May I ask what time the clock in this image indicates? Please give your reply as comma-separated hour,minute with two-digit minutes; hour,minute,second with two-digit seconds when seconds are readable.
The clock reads 10,54
